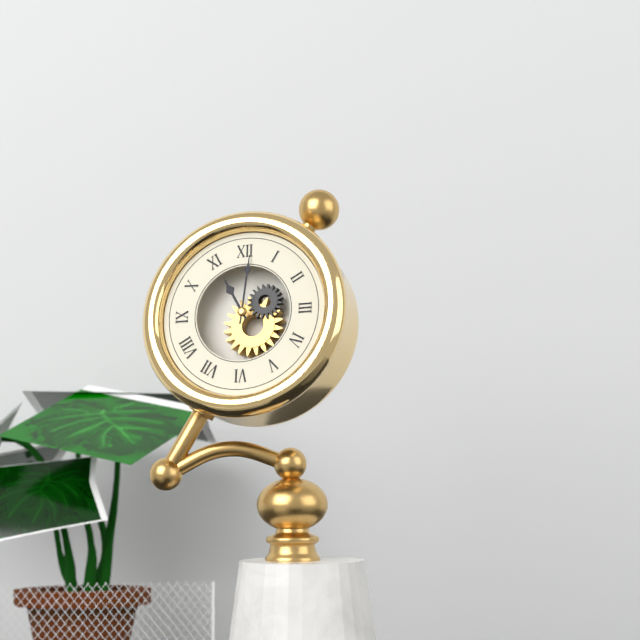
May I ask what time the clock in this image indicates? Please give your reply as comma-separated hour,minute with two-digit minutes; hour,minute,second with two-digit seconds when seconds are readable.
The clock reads 11,01
